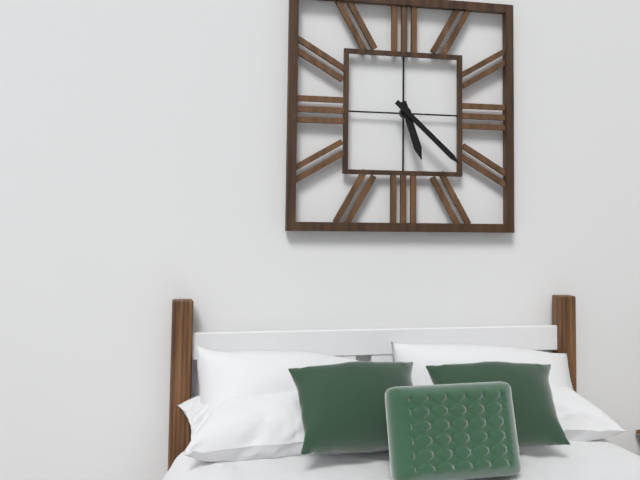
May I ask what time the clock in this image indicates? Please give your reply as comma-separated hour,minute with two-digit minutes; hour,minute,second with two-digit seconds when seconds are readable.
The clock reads 5,22
